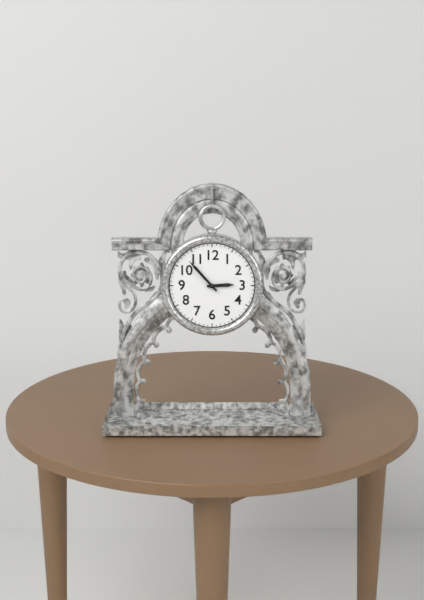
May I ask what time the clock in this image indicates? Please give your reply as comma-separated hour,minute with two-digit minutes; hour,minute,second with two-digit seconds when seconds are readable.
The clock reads 2,53
